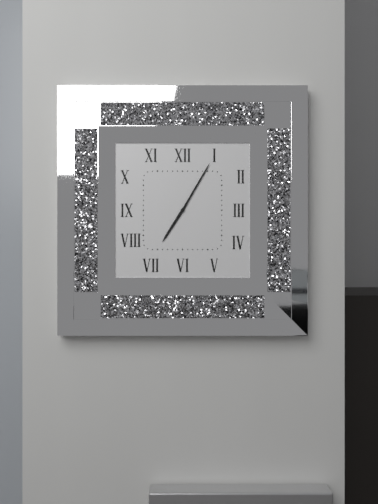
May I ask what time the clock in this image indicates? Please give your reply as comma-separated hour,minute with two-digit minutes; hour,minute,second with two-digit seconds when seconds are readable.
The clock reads 7,05
